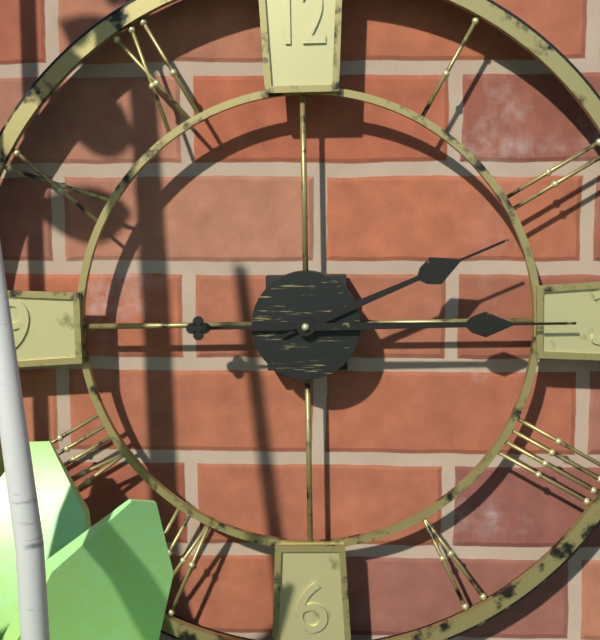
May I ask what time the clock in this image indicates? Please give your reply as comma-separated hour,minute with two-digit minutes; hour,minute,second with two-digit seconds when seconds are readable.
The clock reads 2,15
